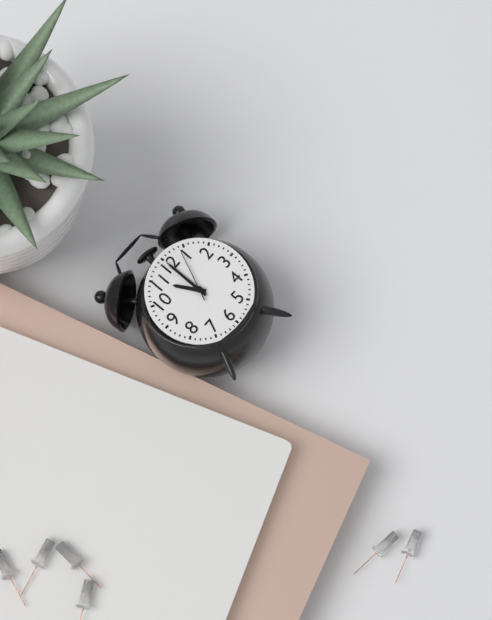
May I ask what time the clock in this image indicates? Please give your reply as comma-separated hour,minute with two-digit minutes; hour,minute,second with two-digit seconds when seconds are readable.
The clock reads 11,00,04
